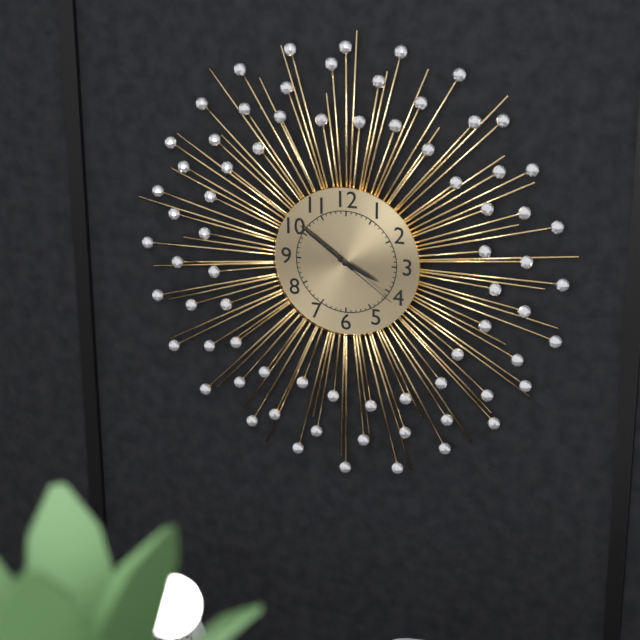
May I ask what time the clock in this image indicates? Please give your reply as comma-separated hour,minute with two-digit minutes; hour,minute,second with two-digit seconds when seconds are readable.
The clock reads 3,51,21
